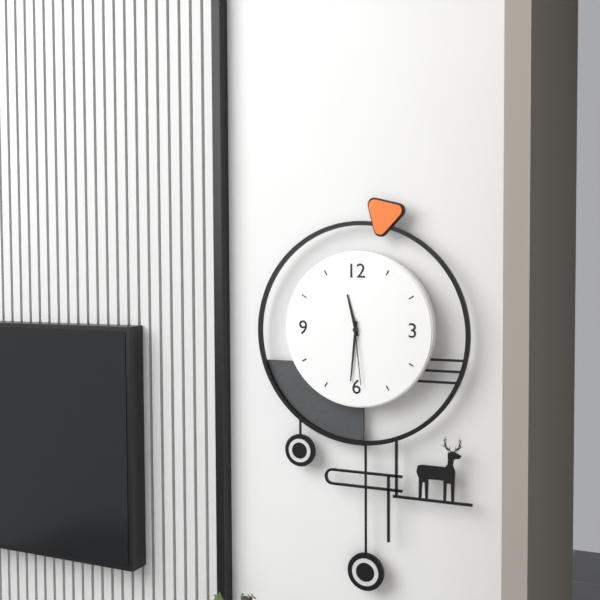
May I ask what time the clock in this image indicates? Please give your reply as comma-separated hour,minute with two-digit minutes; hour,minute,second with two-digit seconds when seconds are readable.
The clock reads 11,31,29
